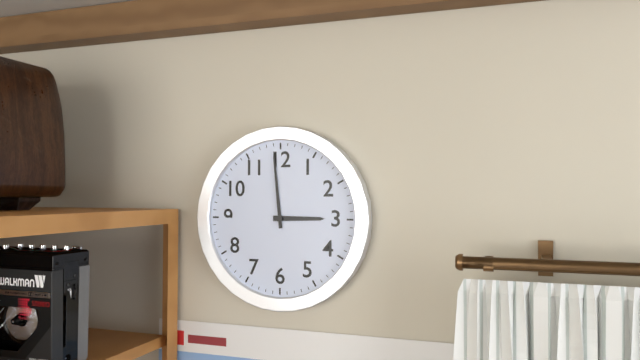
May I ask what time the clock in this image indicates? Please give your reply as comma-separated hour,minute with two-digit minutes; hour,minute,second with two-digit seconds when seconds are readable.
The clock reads 2,59
